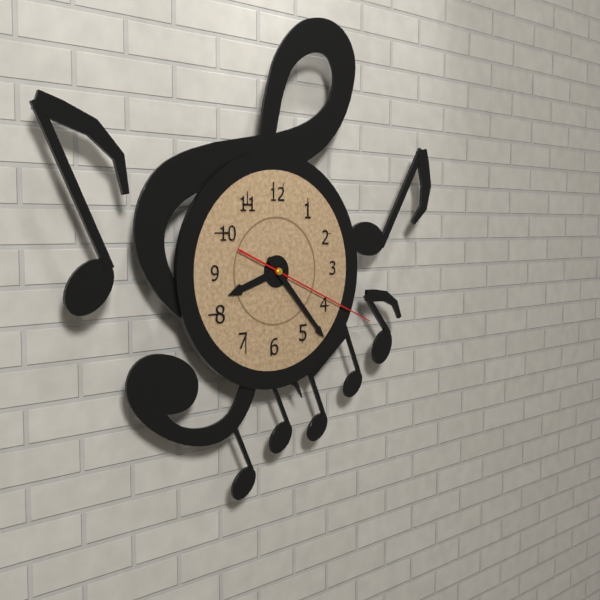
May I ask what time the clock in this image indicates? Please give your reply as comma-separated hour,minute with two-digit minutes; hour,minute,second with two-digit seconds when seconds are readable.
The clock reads 8,23,19
